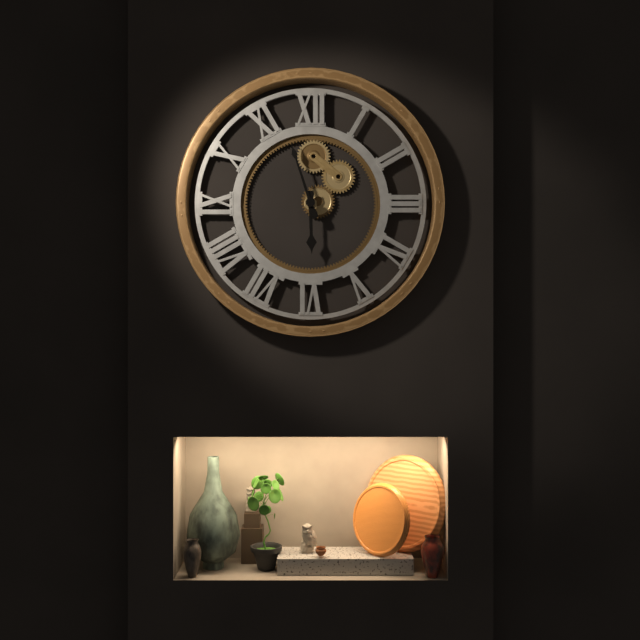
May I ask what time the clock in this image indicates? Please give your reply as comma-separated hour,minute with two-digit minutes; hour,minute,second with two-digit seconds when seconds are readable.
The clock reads 5,57
